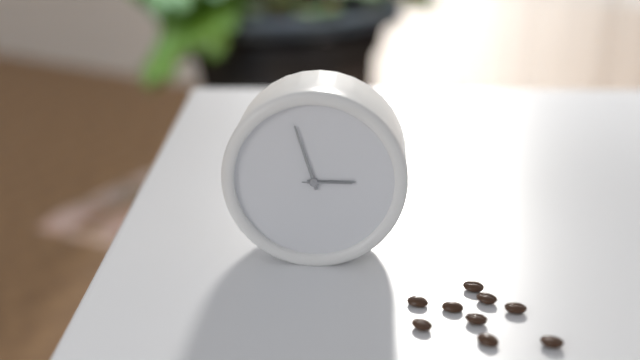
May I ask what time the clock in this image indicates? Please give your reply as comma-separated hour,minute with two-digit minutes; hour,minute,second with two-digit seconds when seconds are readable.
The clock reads 2,57
